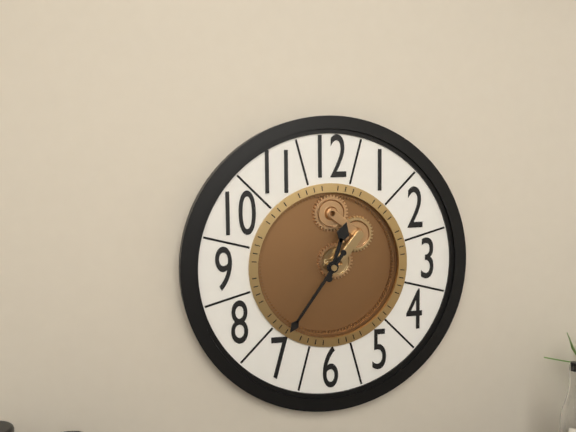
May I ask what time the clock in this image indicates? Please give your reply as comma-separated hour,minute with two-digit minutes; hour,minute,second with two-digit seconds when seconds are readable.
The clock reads 12,36
